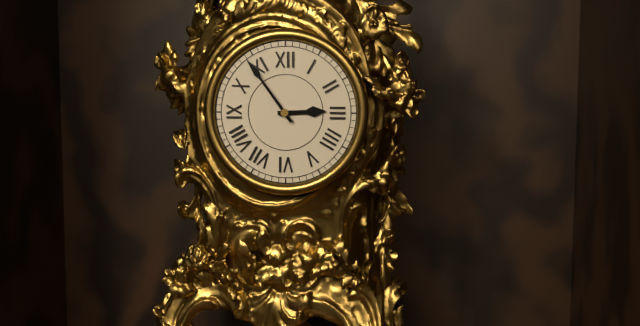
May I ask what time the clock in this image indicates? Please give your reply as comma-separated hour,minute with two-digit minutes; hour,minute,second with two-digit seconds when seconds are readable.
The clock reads 2,54
